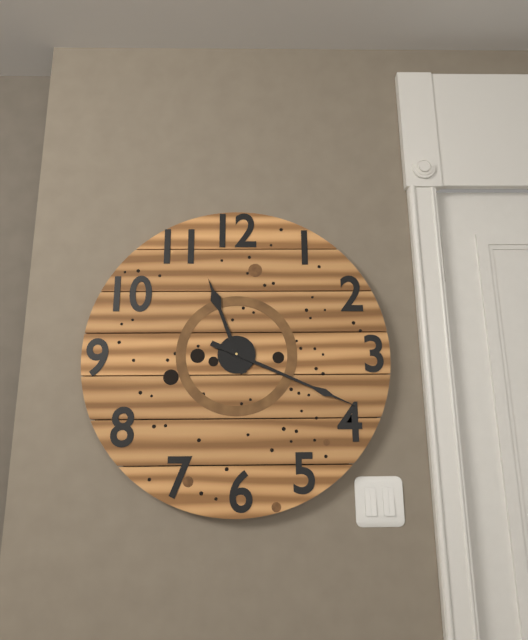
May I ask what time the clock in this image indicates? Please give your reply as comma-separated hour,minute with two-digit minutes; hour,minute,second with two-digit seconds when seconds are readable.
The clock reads 11,19
